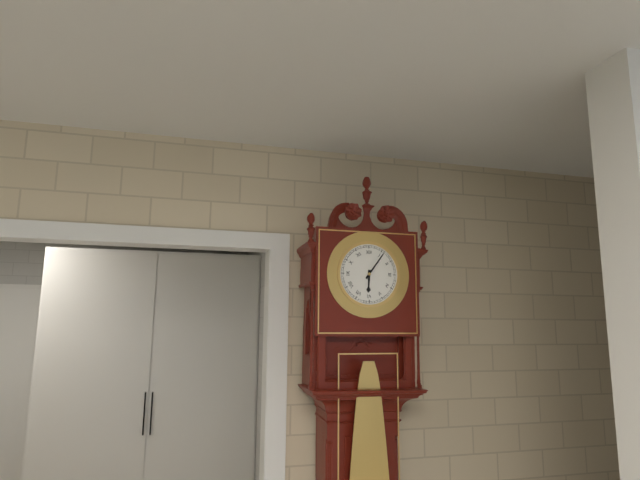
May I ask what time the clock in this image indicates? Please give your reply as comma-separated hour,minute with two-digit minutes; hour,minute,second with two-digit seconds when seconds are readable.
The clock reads 6,06
